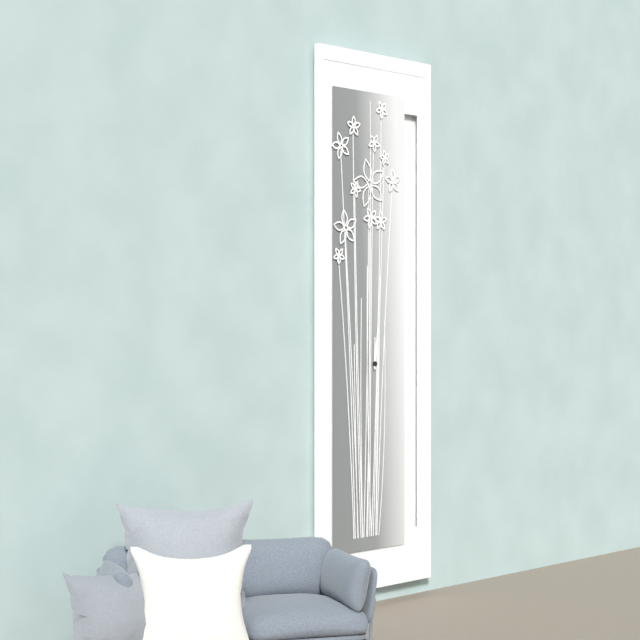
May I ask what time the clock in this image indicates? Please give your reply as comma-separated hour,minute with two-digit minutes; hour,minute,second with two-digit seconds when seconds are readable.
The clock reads 12,01
